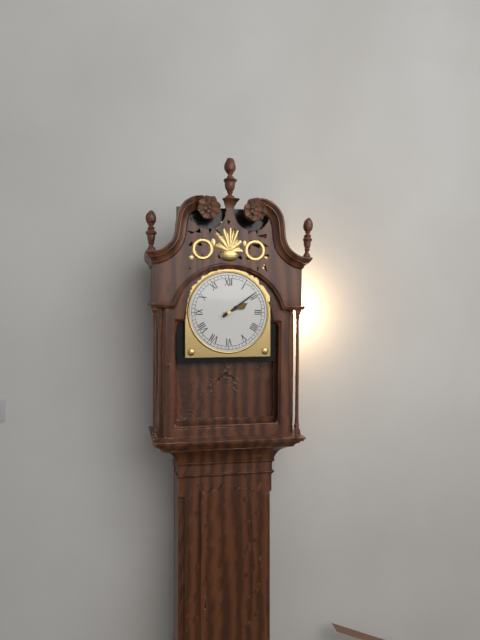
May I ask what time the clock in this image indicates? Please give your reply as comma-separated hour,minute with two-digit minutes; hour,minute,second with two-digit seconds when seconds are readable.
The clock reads 2,09
